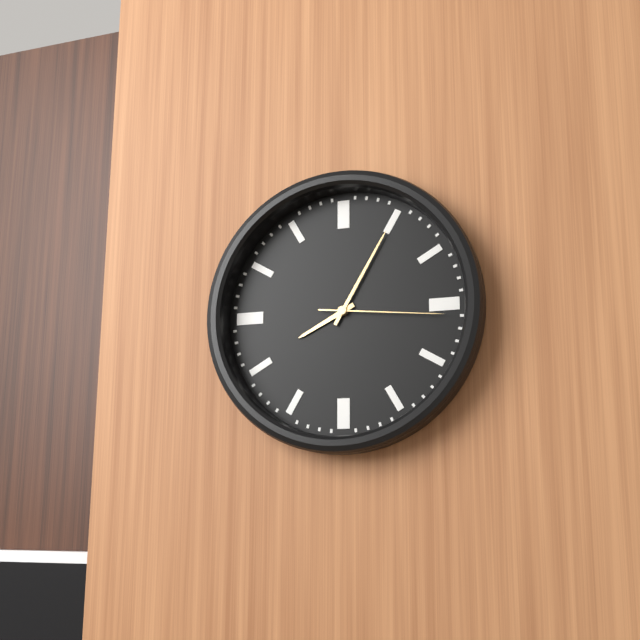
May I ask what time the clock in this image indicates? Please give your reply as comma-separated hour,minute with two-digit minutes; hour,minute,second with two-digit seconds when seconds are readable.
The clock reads 8,05,16
